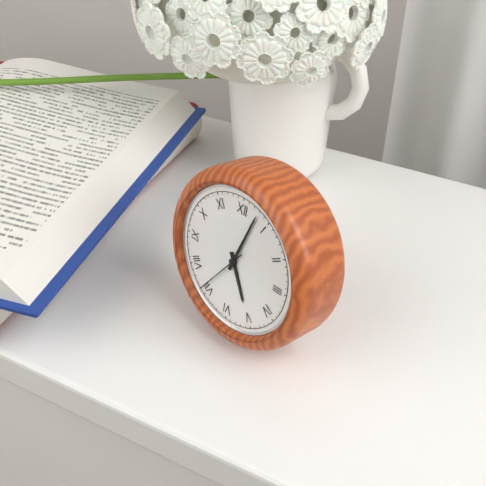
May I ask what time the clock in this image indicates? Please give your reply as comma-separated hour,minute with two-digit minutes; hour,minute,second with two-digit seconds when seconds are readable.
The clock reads 5,03,36
